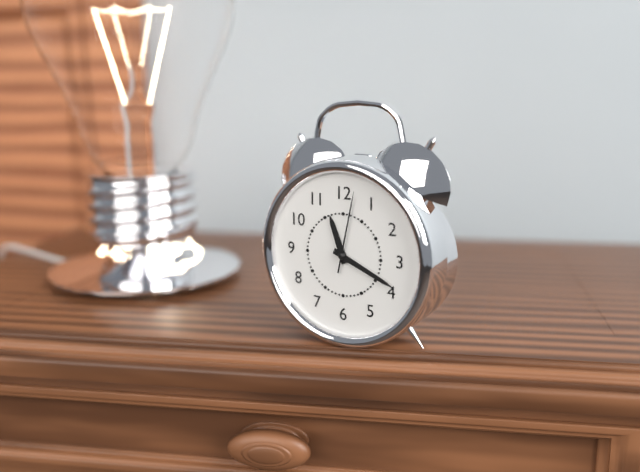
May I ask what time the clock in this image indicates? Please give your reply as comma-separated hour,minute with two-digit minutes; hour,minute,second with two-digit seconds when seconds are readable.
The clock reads 11,19,02
